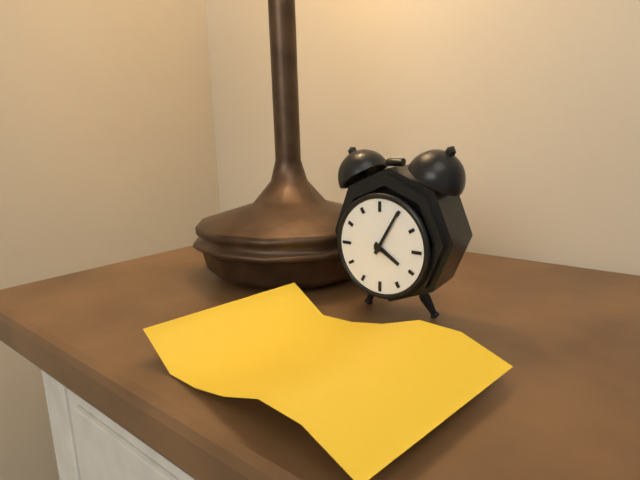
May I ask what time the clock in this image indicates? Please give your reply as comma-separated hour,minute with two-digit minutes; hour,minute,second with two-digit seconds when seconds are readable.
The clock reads 4,05
